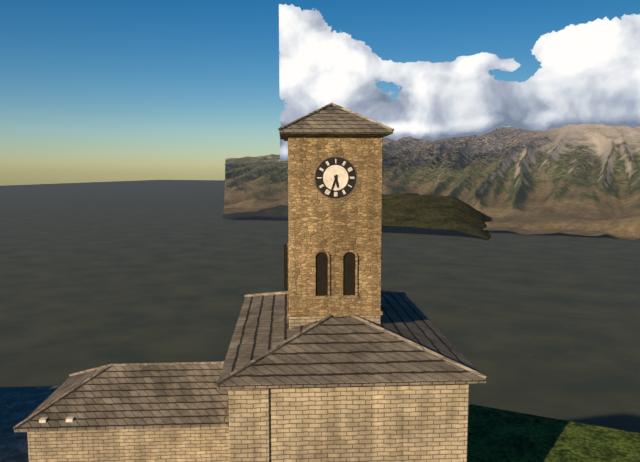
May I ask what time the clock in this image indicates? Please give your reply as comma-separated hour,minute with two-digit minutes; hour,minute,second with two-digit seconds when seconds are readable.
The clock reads 5,33
